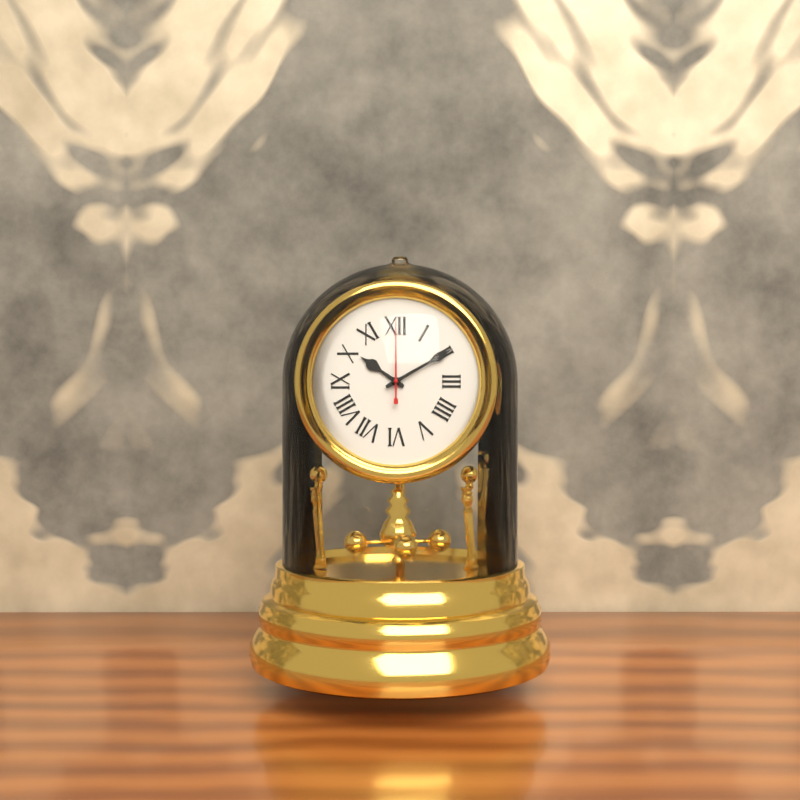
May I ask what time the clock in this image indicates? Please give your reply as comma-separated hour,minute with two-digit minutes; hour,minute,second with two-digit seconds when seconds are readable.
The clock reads 10,10,00
